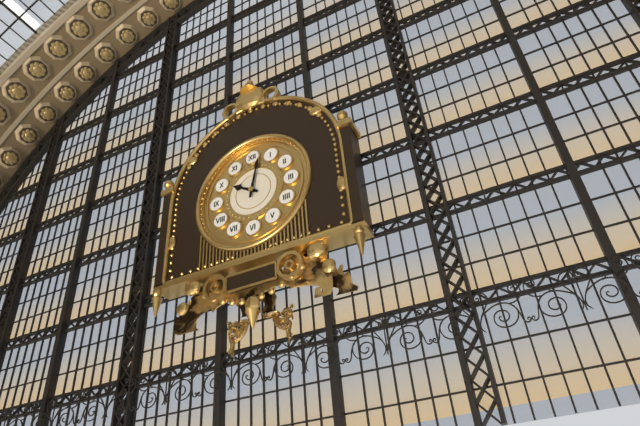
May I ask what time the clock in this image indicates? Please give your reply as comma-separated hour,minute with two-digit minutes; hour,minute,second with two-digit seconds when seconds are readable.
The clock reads 10,02
